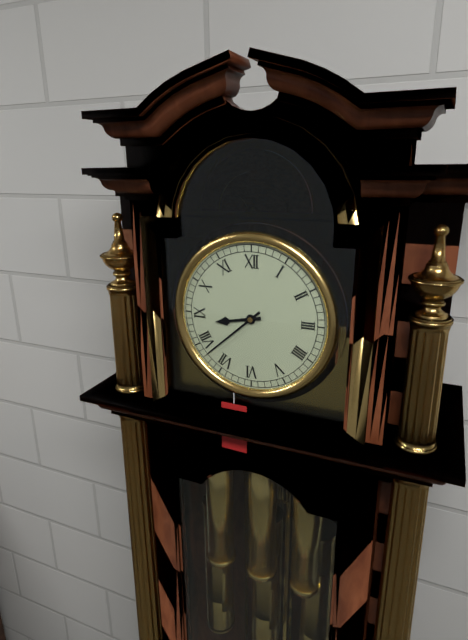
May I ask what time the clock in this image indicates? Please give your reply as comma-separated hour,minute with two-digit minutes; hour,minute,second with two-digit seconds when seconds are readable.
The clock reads 8,38
